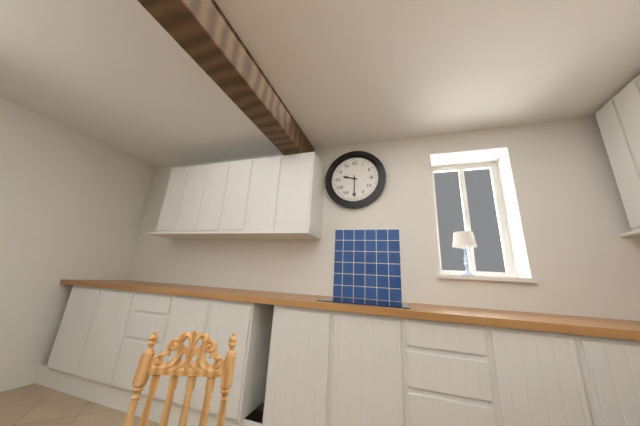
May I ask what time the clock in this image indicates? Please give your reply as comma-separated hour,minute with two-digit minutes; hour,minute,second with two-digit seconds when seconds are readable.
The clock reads 9,30
